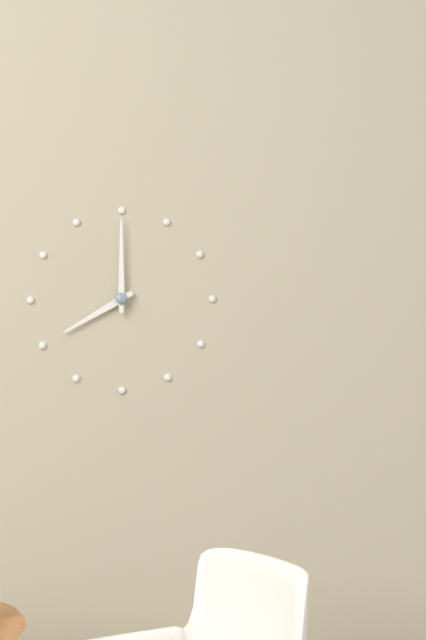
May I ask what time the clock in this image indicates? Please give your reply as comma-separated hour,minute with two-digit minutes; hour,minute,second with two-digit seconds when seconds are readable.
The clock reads 8,00
